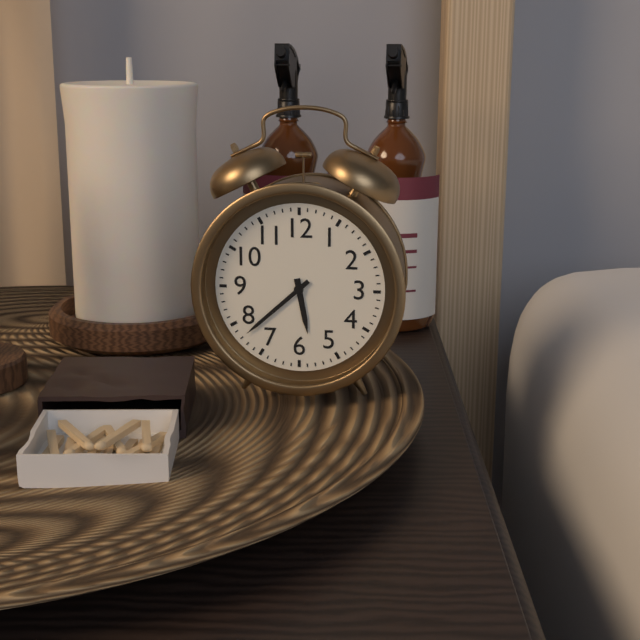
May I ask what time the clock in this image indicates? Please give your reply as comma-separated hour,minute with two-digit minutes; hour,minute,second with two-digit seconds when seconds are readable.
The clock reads 5,38
